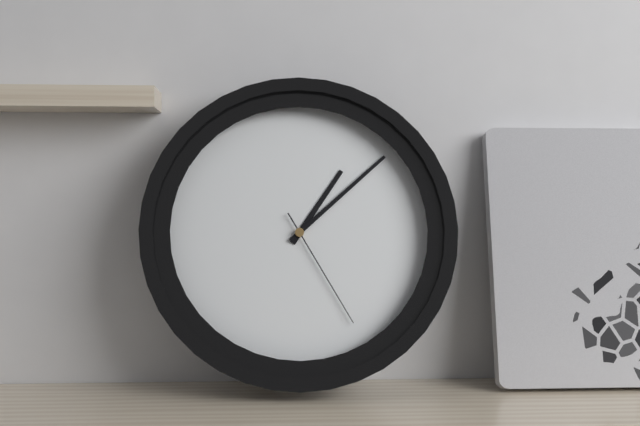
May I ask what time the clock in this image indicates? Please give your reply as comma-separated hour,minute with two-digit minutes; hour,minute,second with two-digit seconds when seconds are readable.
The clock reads 1,08,25
